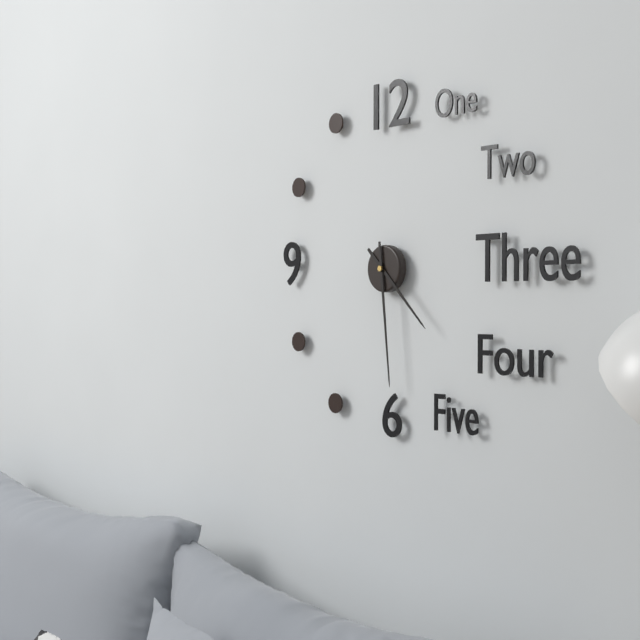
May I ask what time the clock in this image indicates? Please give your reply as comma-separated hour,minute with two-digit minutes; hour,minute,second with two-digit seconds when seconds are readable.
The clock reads 4,29
